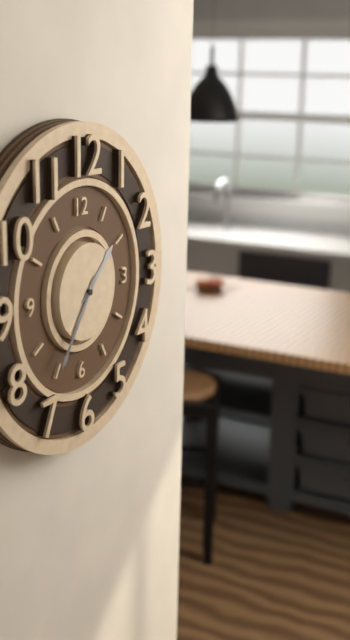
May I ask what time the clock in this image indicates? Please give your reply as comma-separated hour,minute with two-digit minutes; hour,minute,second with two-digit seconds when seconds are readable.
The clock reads 1,36
